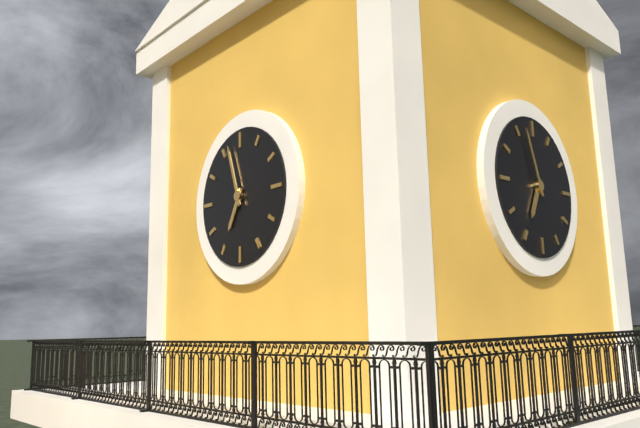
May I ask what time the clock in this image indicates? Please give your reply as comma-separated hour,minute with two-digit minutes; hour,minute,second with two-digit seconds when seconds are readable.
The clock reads 6,57
